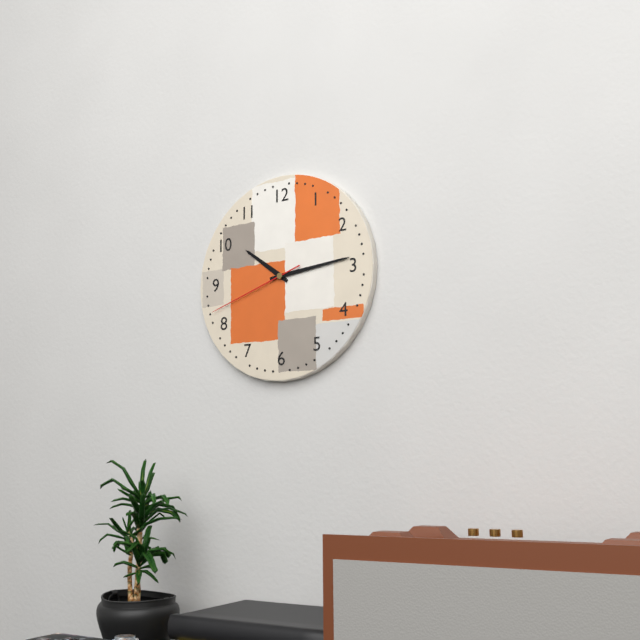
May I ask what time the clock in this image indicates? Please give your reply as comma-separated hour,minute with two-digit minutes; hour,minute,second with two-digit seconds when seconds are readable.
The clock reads 10,14,42
